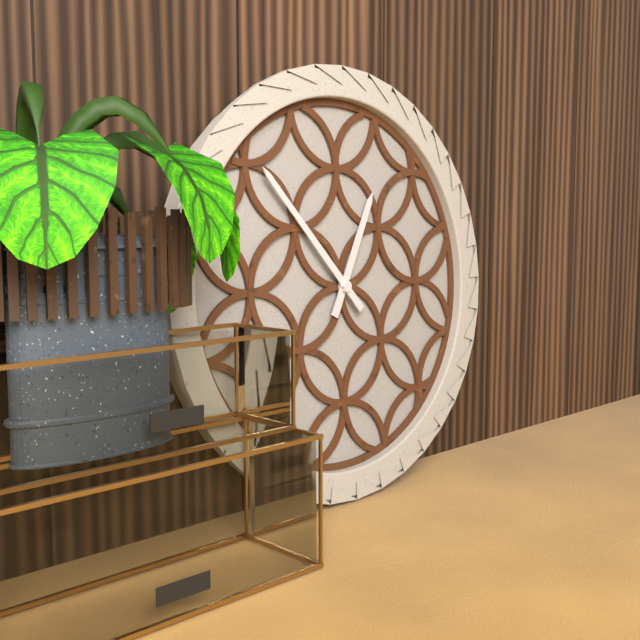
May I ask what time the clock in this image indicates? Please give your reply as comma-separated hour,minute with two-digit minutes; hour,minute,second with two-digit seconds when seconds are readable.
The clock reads 12,53
